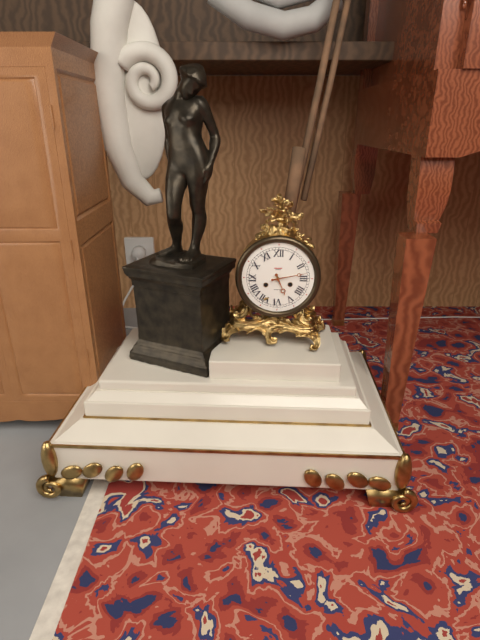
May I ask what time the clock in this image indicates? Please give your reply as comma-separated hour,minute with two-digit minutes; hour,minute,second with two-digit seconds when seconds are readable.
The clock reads 5,13
